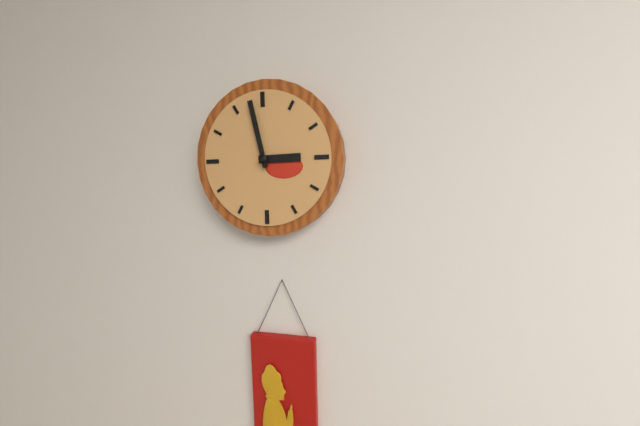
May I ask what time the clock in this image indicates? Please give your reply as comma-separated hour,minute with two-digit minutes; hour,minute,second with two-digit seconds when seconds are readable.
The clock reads 2,58
